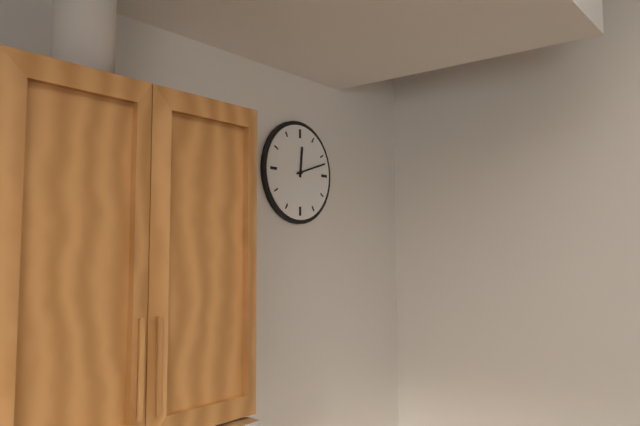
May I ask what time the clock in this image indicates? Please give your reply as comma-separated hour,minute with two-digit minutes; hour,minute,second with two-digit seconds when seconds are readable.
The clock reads 12,12
